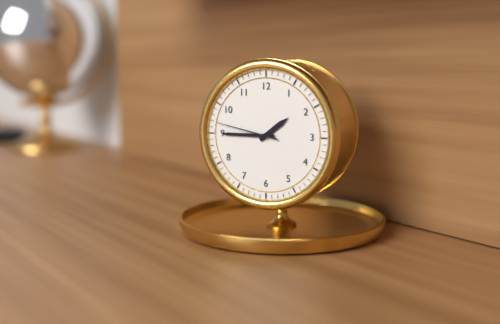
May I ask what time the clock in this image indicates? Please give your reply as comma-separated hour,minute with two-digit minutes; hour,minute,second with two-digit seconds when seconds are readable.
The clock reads 1,45,47
